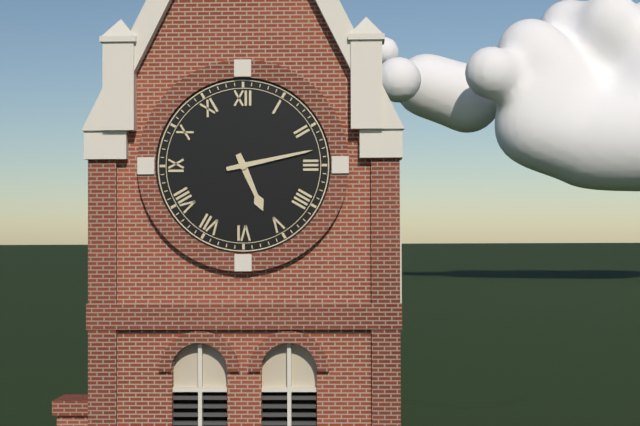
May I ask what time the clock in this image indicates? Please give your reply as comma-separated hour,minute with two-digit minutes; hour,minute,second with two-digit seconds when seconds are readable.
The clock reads 5,13
